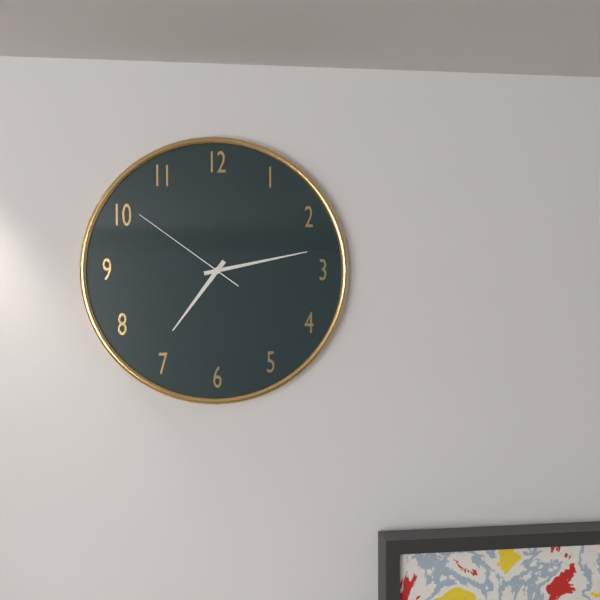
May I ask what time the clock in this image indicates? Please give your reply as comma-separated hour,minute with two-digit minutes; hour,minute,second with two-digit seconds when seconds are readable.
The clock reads 7,13,51
